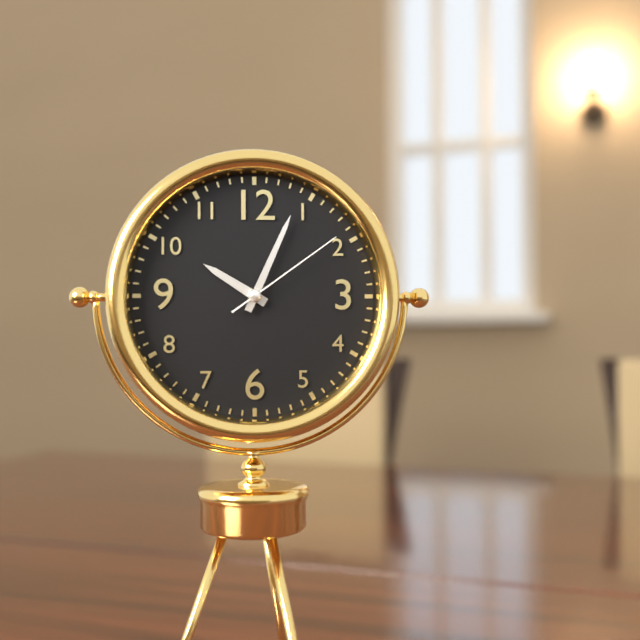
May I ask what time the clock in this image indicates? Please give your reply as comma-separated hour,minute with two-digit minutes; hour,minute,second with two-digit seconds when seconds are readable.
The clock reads 10,04,09
